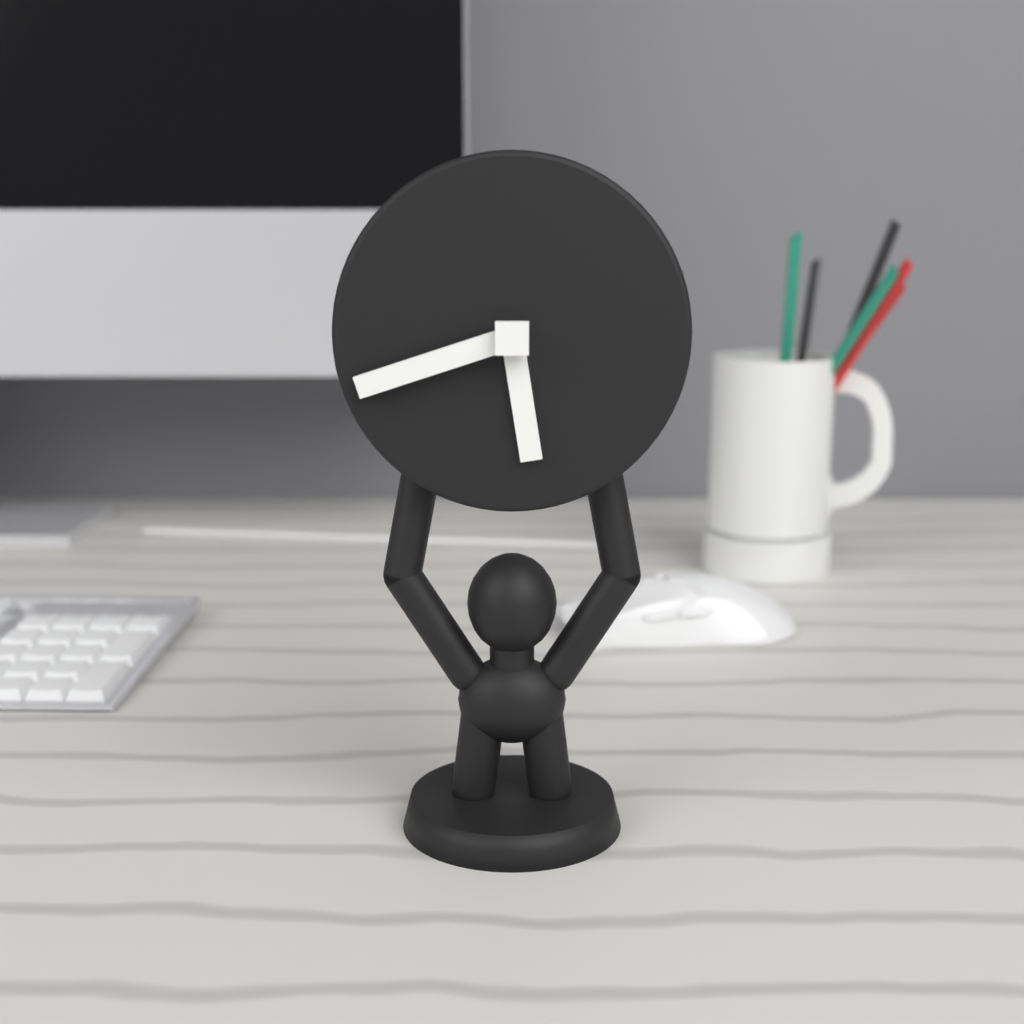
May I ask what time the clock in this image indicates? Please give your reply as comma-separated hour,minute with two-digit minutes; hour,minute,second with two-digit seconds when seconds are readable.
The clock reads 5,42
